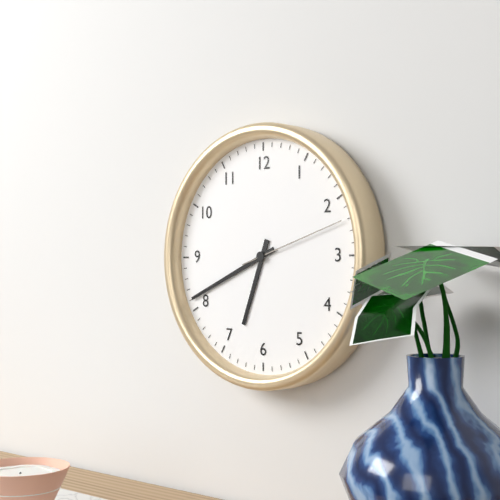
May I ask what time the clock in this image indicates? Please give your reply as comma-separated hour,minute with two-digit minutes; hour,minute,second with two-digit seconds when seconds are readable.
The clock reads 6,41,12
